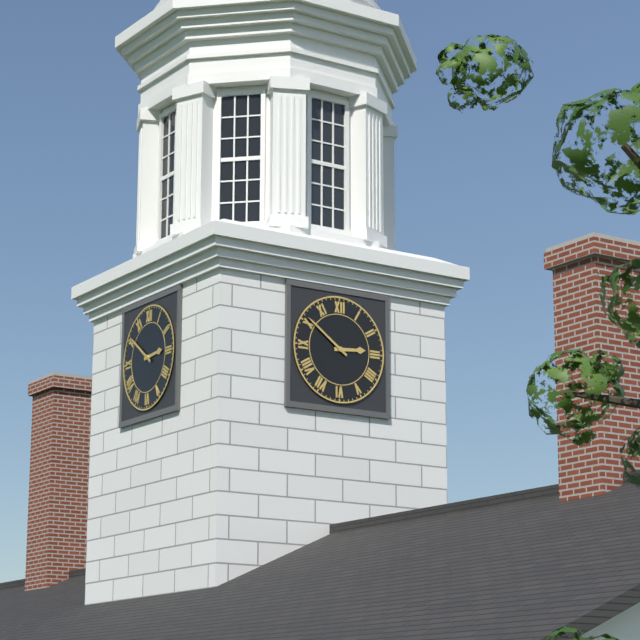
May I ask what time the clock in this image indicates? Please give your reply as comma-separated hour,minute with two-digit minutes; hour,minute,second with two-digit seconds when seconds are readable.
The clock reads 2,51
